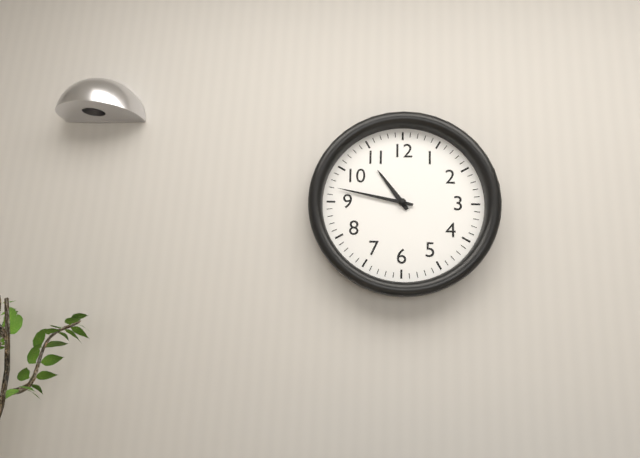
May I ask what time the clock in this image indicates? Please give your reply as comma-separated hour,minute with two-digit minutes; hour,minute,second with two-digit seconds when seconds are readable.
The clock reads 10,47
